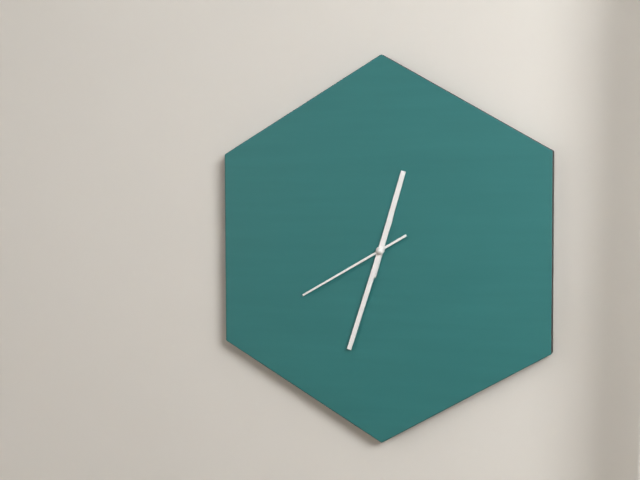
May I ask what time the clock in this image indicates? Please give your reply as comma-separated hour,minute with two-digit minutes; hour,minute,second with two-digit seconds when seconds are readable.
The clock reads 12,33,40
